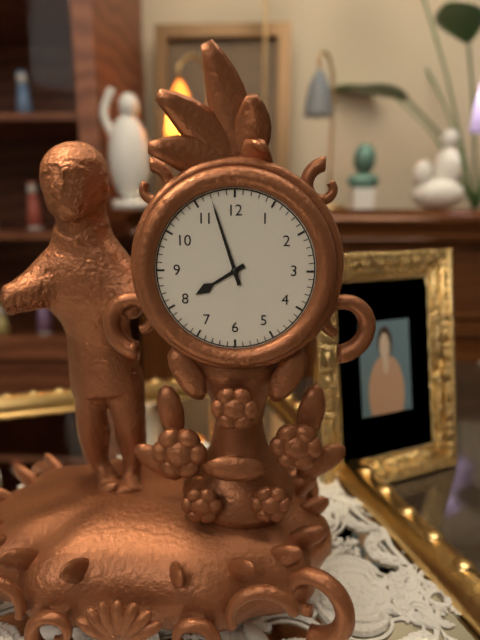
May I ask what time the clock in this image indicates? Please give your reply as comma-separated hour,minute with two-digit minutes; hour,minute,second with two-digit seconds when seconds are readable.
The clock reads 7,57
